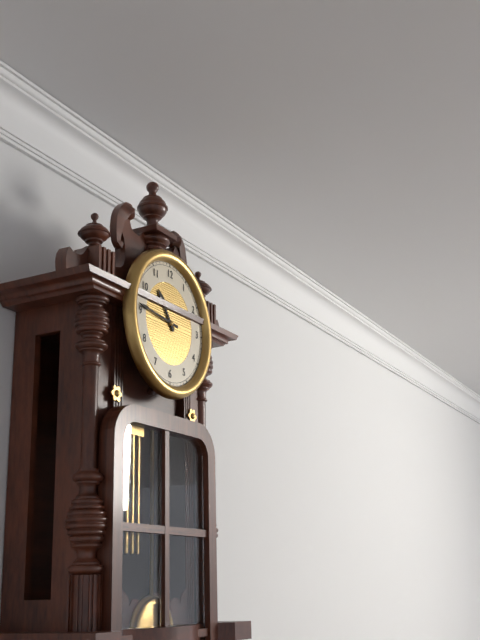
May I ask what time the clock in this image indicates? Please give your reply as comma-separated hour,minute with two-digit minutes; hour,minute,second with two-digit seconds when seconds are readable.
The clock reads 10,46
